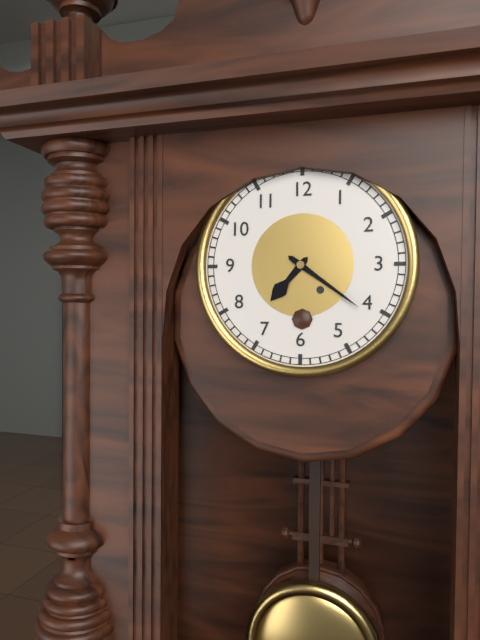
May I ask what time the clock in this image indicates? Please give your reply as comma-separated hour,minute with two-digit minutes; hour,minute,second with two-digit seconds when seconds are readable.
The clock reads 7,21
